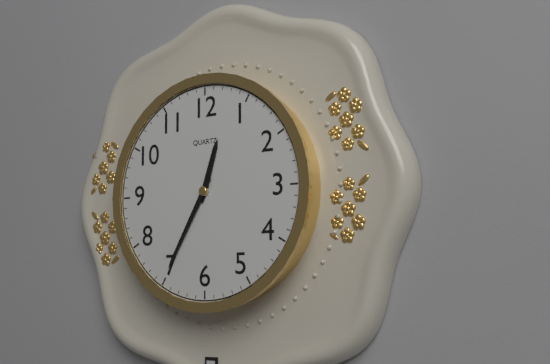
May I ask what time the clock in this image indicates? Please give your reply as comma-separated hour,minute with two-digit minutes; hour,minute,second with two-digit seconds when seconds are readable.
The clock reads 12,35
